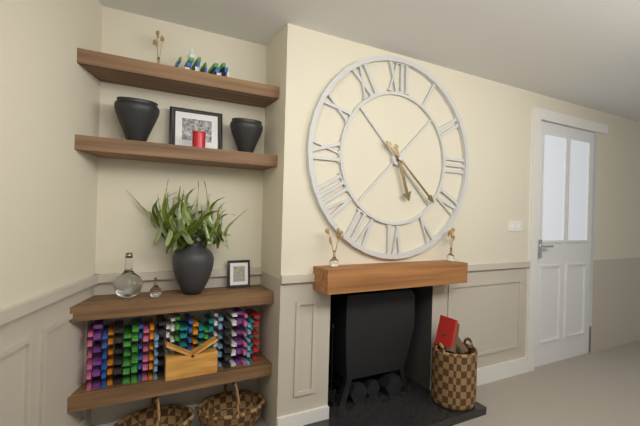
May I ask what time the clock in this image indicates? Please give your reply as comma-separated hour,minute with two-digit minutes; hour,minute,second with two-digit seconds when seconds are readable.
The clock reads 5,22
